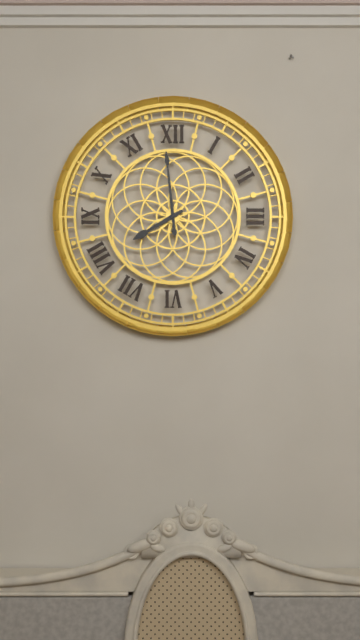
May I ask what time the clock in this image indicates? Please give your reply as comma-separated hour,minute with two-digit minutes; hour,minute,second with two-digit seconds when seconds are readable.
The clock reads 7,59
